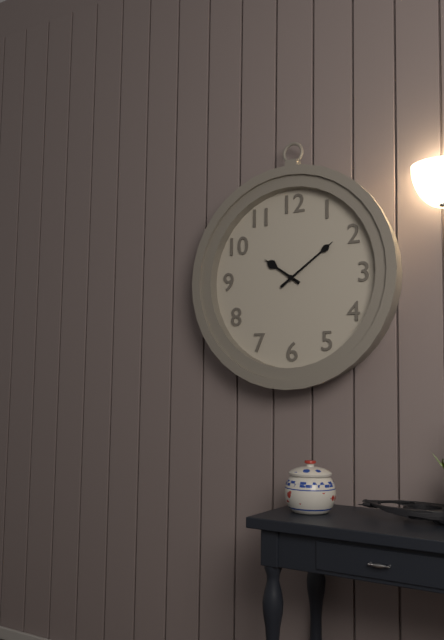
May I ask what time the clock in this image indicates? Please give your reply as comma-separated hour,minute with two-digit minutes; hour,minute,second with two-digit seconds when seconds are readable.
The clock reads 10,09
